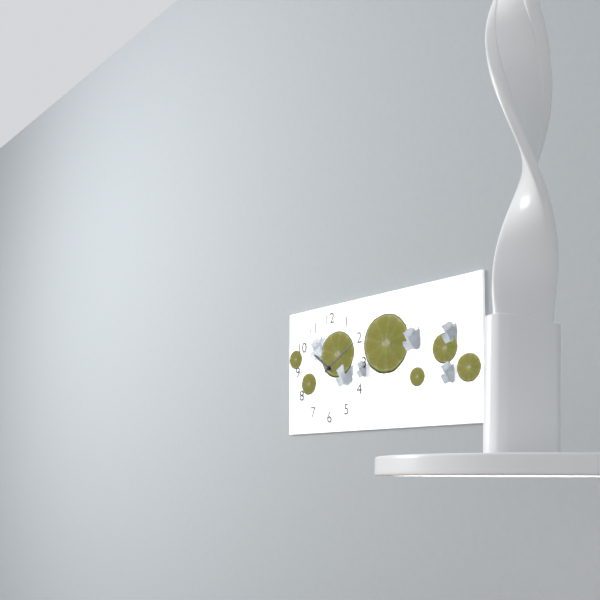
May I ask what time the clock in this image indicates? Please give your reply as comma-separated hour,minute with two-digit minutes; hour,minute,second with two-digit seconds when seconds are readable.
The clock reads 10,10
